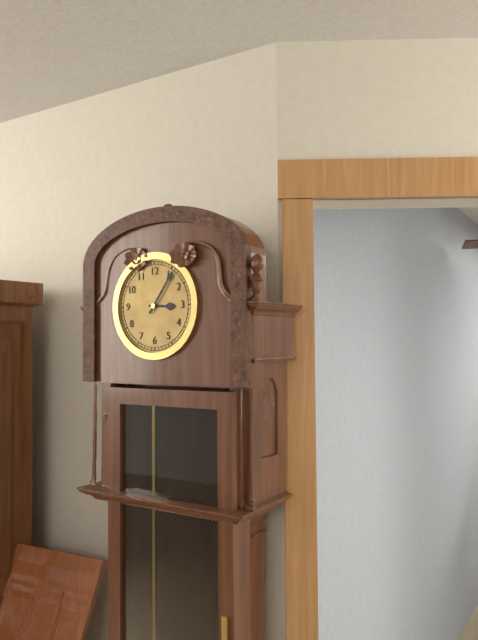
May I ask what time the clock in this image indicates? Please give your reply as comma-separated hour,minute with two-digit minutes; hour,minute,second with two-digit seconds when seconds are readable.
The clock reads 3,06
